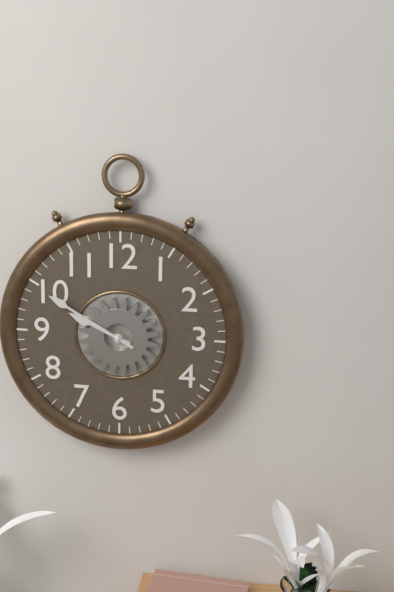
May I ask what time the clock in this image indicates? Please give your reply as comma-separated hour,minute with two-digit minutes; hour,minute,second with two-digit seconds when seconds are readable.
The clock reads 9,50
